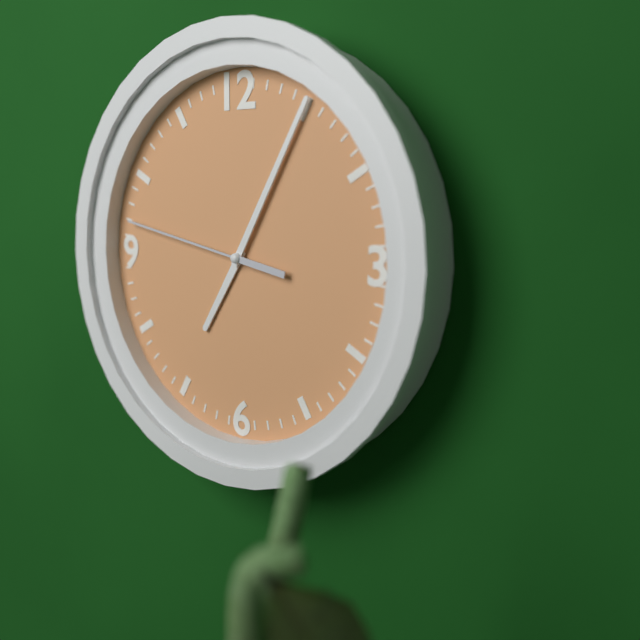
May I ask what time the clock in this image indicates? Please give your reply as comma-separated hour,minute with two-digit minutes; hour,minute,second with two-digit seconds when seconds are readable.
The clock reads 7,05,47
